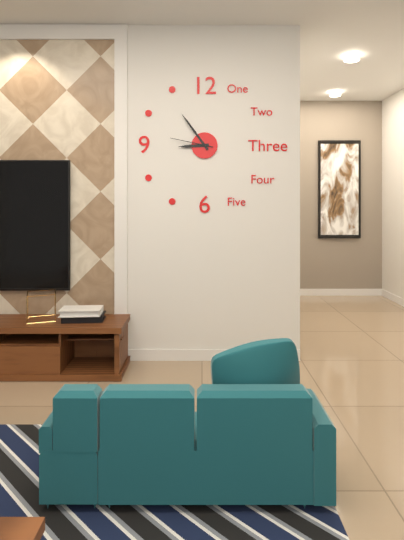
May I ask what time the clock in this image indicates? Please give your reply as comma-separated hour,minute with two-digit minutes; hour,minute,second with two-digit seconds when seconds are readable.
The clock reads 8,54
